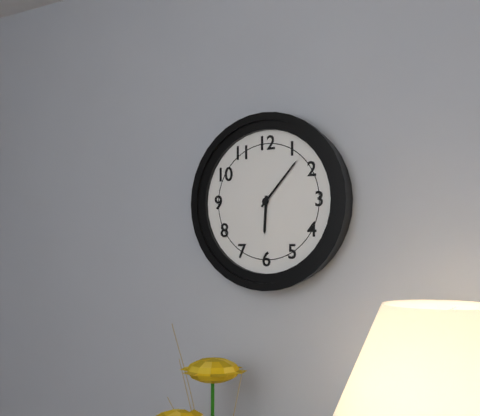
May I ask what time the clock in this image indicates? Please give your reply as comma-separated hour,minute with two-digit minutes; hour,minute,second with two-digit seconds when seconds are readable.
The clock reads 6,07
